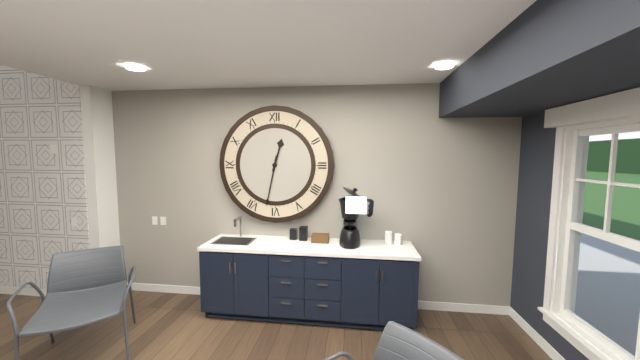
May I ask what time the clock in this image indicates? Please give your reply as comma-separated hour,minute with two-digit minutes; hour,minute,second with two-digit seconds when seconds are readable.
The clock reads 12,32
